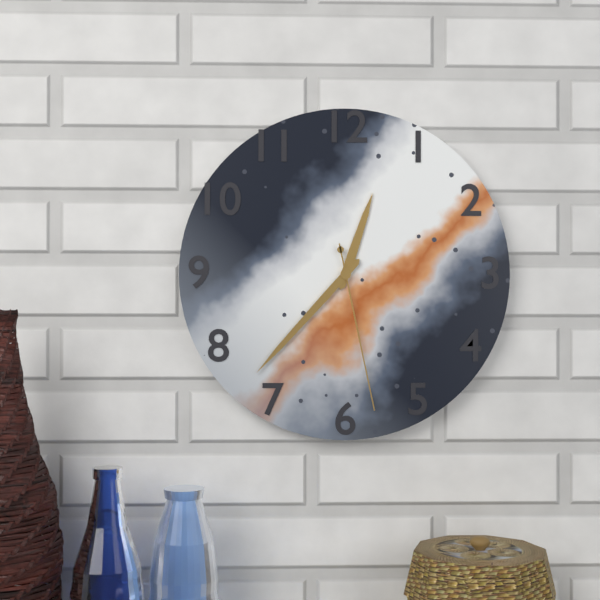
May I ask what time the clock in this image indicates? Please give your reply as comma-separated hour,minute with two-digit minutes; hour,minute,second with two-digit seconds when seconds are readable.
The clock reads 12,37,28
